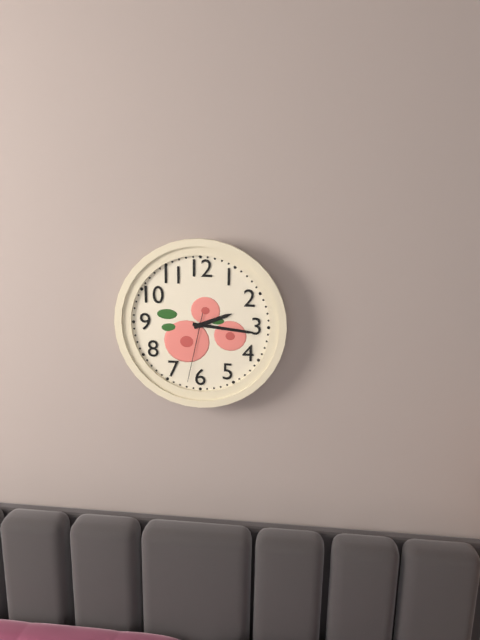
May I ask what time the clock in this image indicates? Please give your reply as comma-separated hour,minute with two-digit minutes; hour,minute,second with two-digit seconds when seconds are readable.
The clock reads 2,16,32
